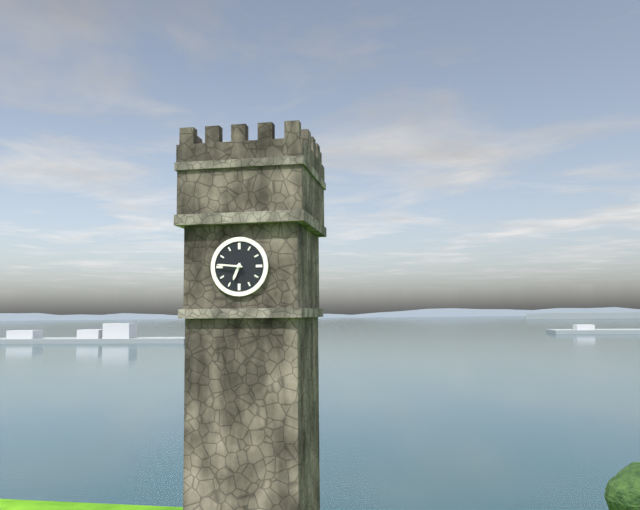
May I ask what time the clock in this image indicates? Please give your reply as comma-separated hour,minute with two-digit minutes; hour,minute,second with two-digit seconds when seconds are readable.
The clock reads 6,46
